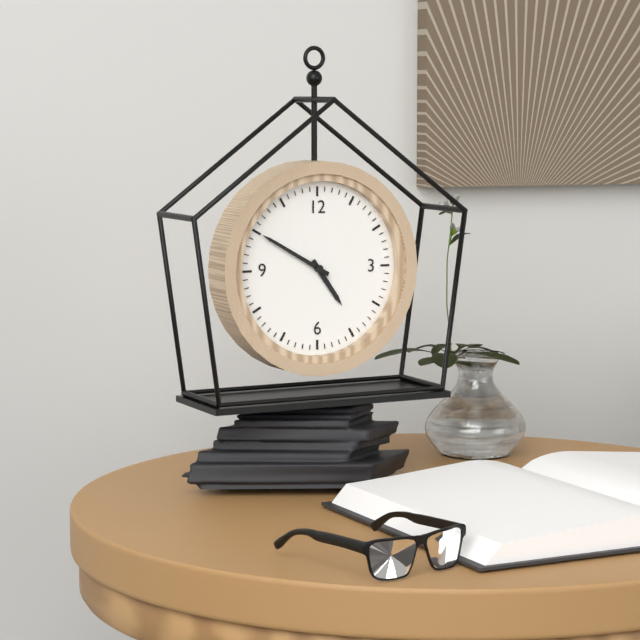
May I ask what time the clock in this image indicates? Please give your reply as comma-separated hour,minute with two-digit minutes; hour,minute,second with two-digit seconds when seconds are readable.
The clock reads 4,50
